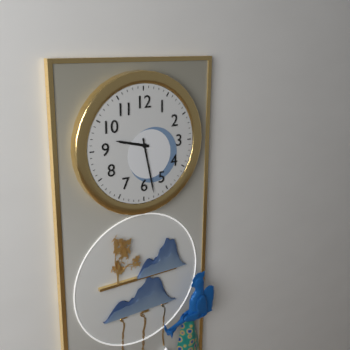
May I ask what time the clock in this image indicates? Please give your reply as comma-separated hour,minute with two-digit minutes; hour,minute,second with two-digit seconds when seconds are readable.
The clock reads 9,28
